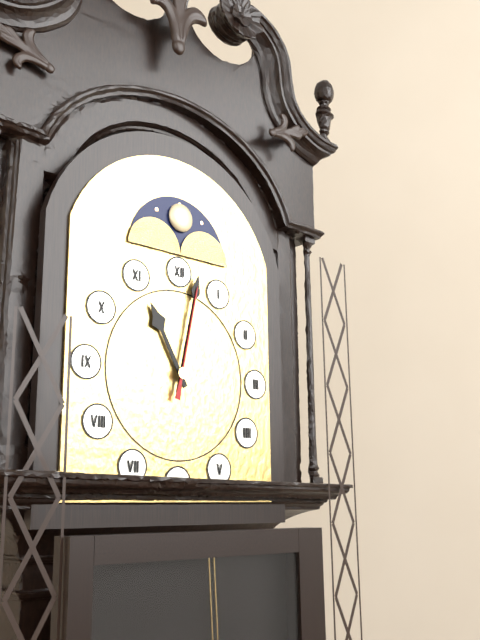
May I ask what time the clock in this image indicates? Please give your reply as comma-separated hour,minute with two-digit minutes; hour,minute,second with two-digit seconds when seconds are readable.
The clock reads 11,02,02
